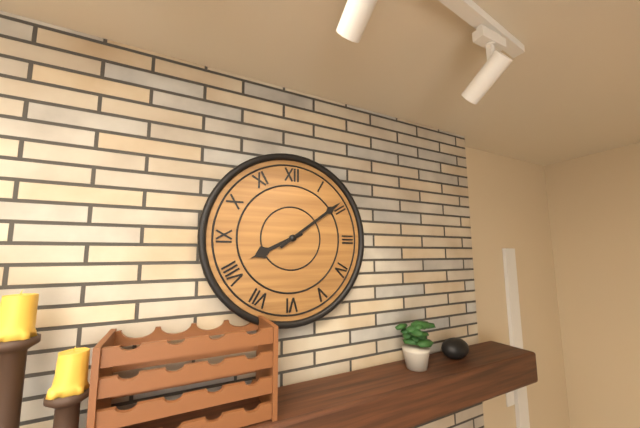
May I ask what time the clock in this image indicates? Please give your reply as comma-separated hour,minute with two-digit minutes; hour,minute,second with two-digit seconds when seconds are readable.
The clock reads 8,09
